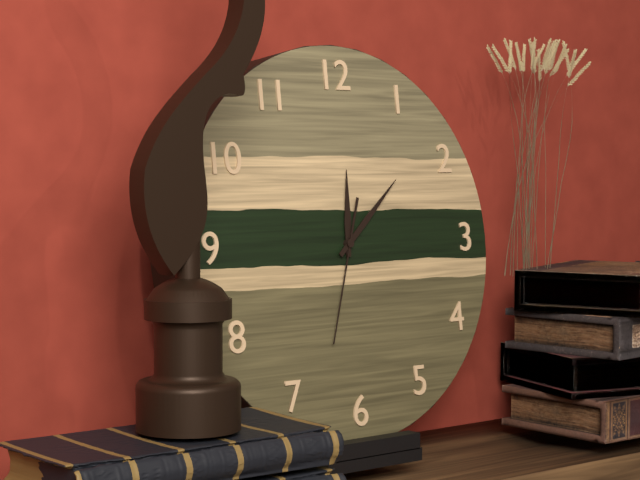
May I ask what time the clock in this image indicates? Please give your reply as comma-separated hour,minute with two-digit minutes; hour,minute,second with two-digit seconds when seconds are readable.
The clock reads 12,08,33
